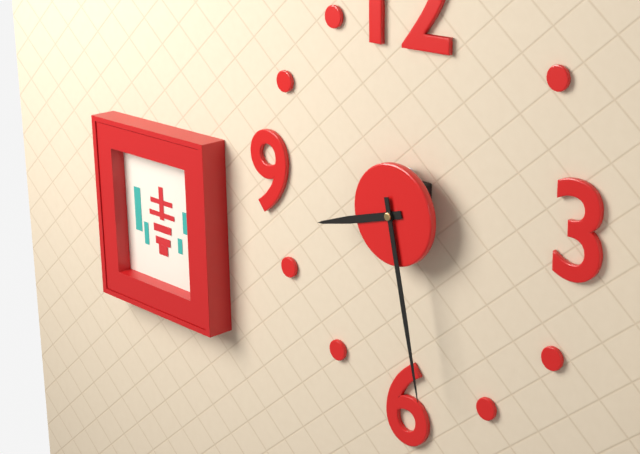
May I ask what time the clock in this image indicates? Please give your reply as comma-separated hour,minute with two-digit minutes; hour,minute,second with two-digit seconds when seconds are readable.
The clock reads 8,28
